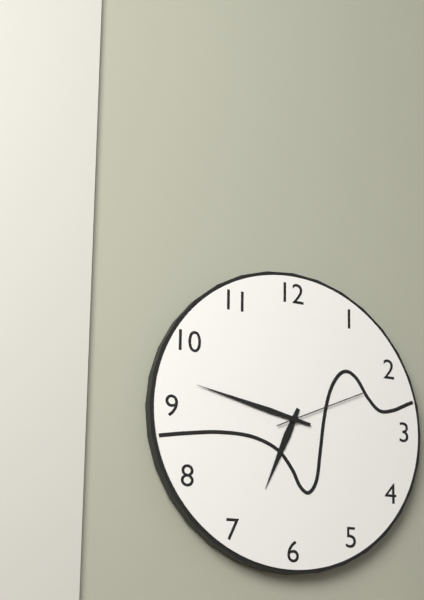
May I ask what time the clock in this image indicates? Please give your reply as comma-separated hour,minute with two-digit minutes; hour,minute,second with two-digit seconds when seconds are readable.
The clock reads 6,47,11
